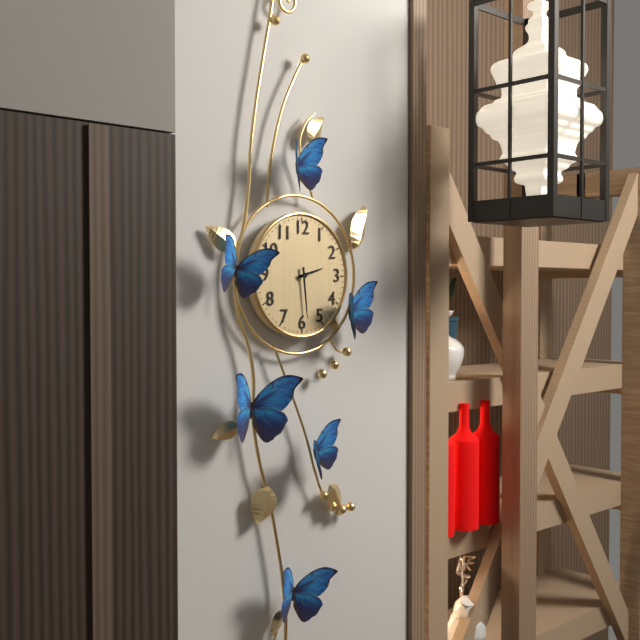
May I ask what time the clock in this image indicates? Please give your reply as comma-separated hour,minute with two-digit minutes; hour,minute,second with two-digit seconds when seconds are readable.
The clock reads 2,29
